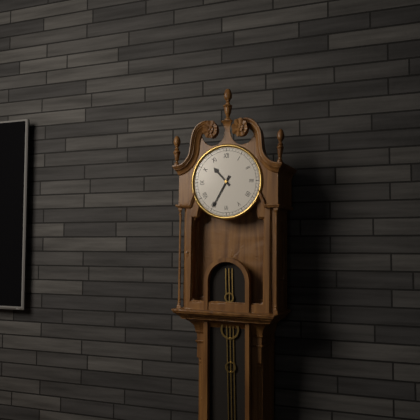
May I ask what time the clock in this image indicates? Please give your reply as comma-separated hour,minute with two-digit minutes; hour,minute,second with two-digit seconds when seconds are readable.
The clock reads 10,35
